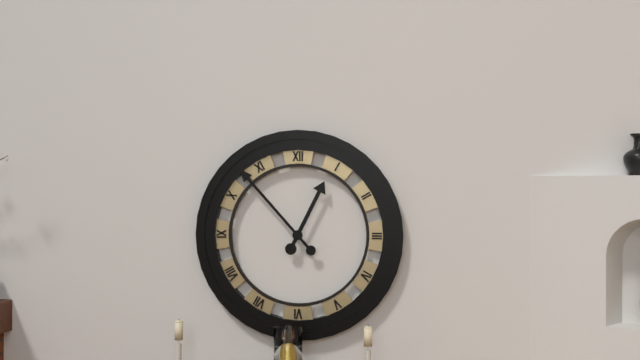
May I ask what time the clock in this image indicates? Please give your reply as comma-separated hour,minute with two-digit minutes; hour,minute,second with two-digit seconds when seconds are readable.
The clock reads 12,53
